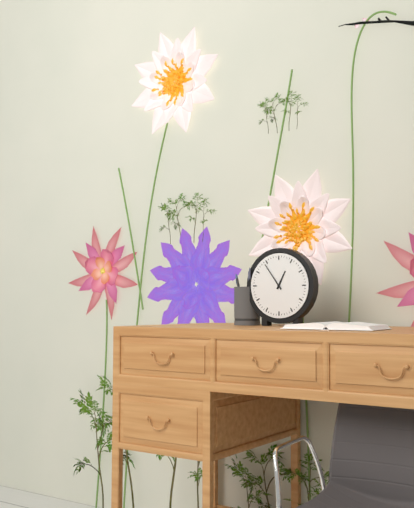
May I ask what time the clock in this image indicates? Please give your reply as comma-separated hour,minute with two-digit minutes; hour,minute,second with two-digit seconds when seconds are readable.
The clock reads 12,54
